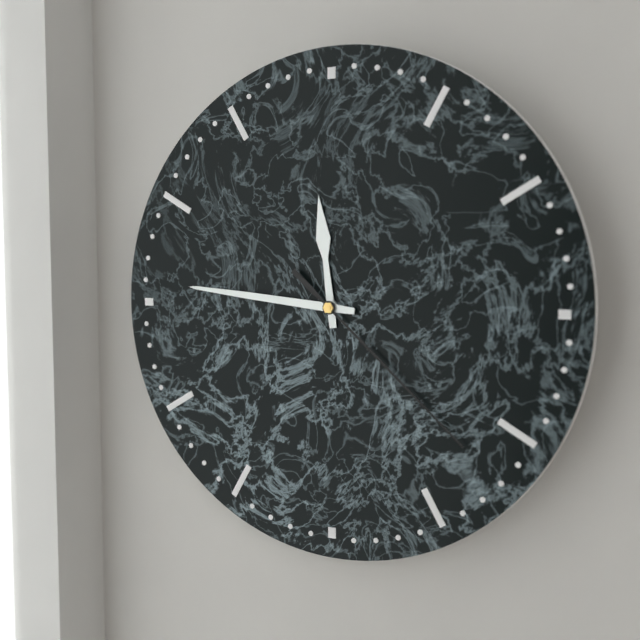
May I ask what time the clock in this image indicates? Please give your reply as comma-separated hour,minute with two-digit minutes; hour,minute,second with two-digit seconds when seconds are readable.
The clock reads 11,46,22
